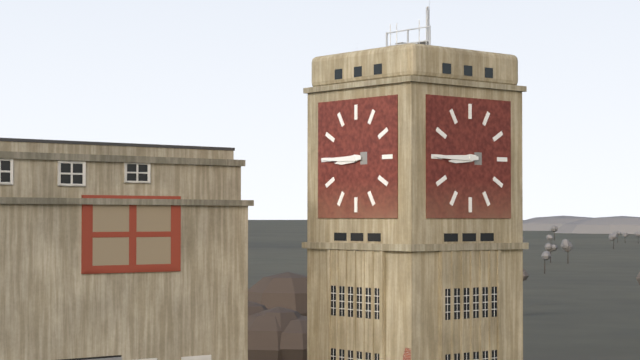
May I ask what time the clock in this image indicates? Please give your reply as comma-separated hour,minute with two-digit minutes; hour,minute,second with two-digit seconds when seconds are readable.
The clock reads 8,45
